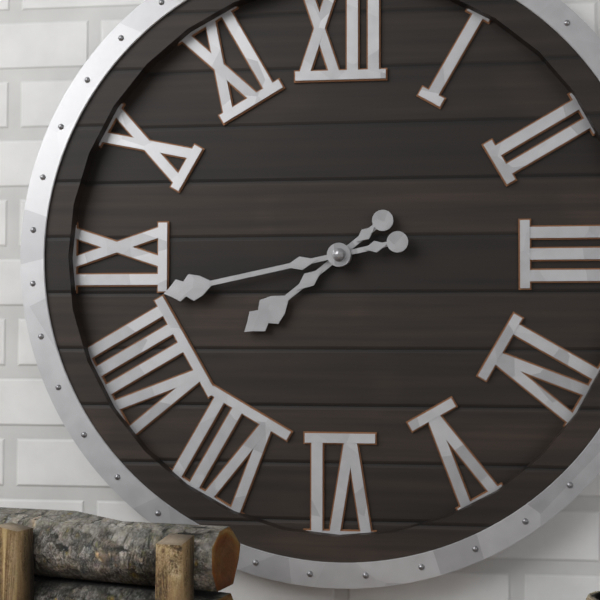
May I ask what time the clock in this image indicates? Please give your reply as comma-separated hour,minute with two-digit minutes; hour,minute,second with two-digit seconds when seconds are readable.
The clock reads 7,43
